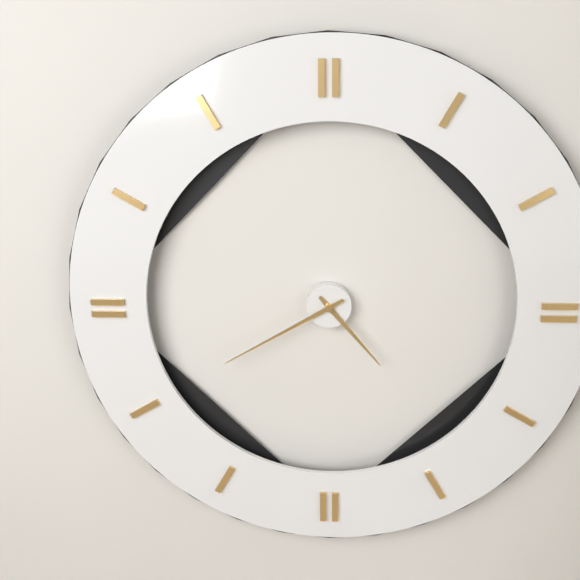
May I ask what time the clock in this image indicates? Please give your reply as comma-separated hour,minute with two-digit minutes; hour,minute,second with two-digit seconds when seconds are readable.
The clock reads 4,40
